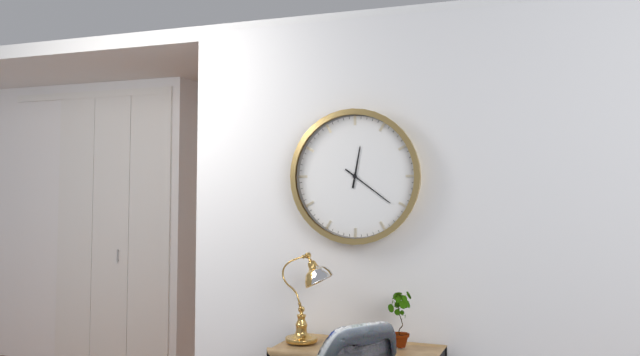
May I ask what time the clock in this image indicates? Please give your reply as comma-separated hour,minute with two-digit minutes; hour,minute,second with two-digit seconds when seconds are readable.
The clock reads 12,21
